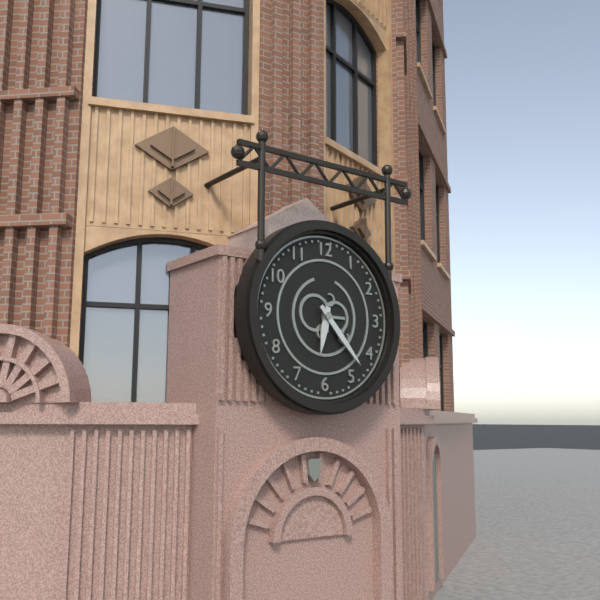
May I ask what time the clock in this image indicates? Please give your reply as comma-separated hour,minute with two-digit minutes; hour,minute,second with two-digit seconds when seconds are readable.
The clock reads 6,23
